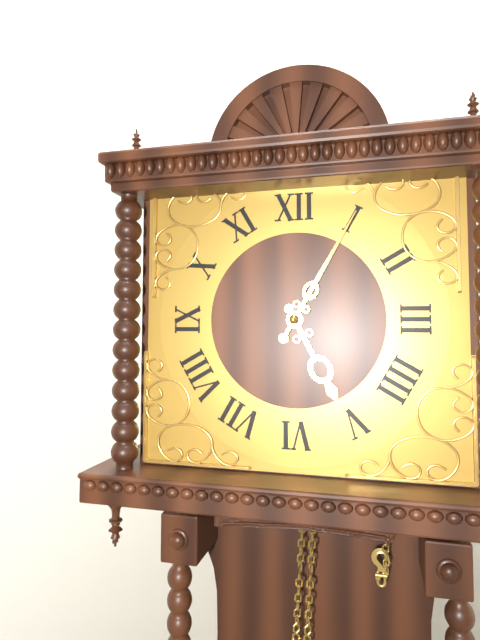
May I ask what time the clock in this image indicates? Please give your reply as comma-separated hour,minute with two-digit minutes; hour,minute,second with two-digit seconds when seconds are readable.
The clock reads 5,05
